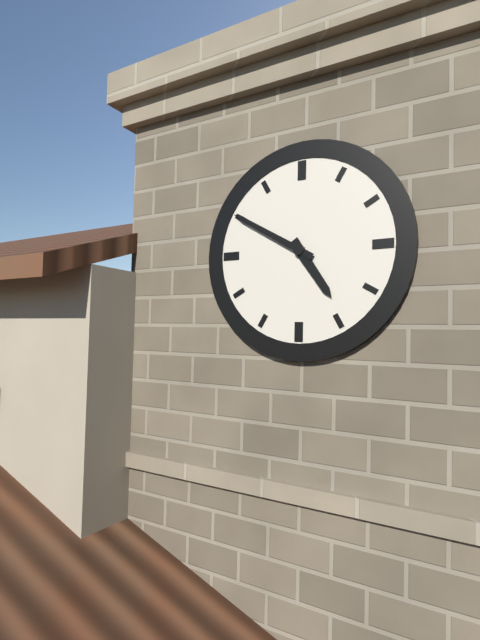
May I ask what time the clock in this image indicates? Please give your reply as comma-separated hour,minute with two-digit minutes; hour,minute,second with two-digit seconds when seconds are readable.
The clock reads 4,50
